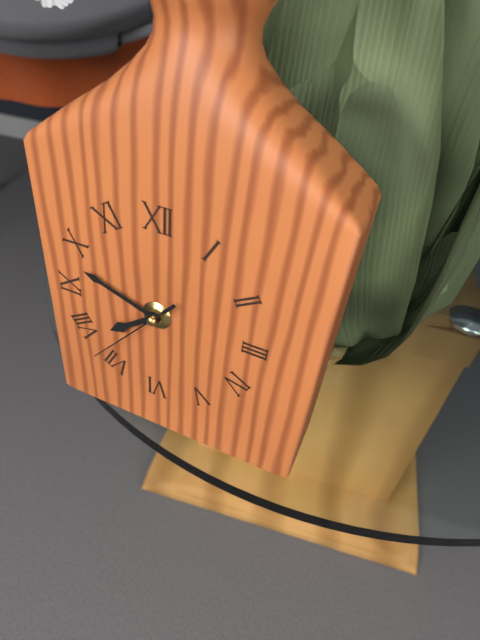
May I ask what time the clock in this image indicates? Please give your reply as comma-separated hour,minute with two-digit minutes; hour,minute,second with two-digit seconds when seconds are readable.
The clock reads 7,48,37
